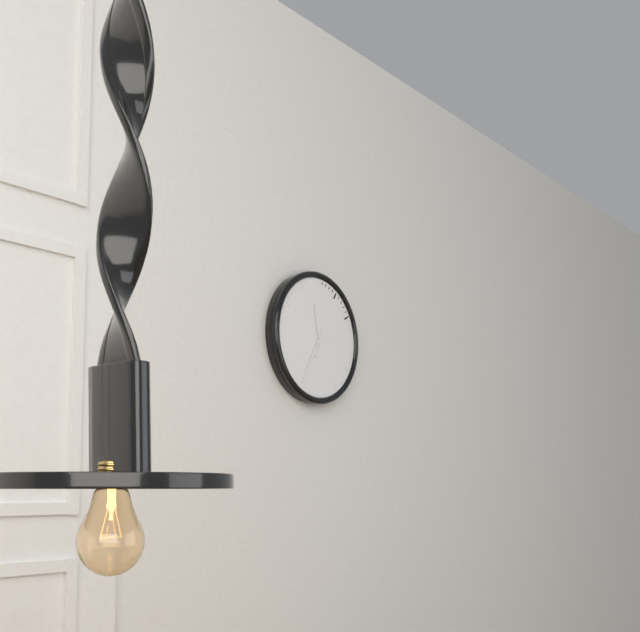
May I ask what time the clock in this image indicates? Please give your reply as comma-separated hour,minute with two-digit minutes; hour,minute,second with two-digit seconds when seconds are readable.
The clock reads 11,35
